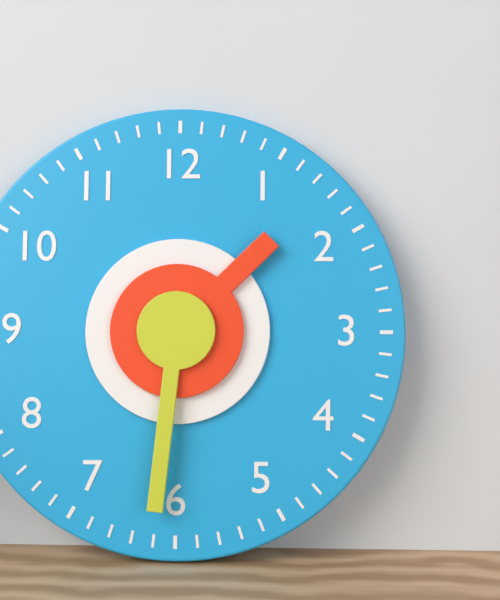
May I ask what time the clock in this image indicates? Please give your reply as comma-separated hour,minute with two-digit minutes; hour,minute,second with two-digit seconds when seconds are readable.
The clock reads 1,31
